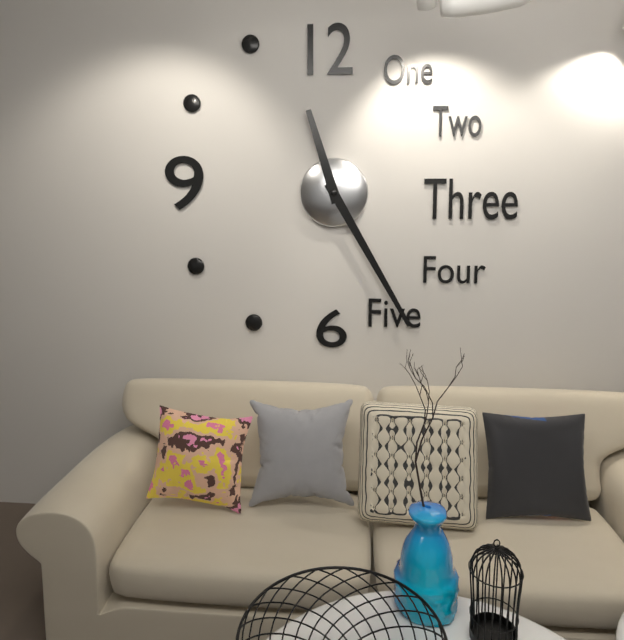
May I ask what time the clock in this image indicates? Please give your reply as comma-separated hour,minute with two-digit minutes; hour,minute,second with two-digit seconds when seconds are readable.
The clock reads 11,25
